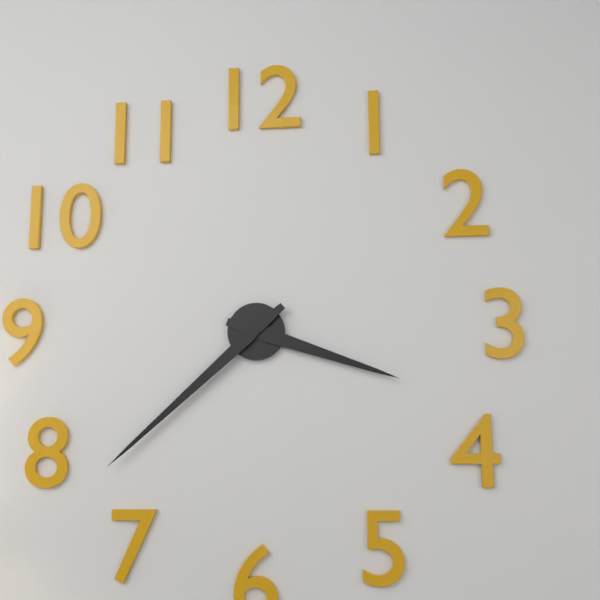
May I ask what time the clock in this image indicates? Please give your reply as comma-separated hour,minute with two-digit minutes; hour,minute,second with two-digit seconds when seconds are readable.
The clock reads 3,38
